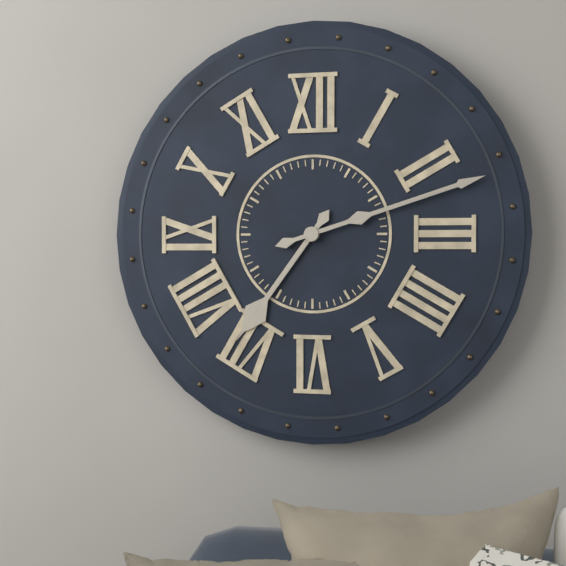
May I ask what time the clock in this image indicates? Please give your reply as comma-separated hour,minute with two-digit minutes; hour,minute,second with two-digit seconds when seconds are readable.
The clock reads 7,12
